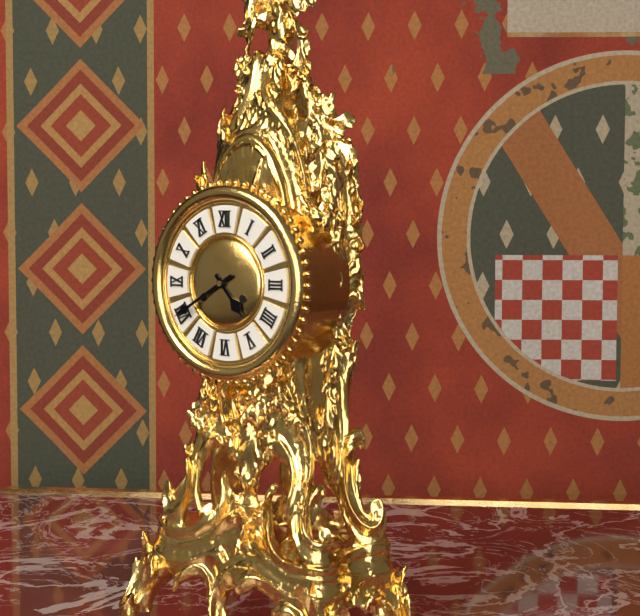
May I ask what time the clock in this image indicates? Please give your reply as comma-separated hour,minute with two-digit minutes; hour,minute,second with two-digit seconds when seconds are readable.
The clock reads 4,40
